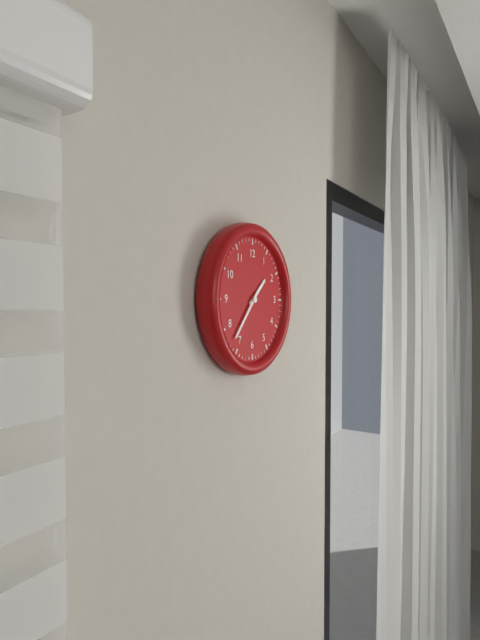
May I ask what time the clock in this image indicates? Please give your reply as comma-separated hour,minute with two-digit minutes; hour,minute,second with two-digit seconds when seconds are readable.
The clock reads 1,37
